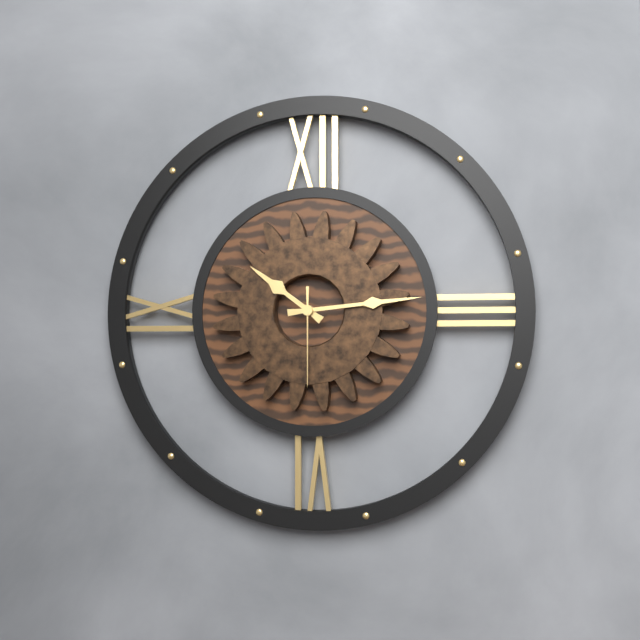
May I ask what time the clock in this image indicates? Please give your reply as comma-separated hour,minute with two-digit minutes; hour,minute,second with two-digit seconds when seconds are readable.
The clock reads 10,14,30
